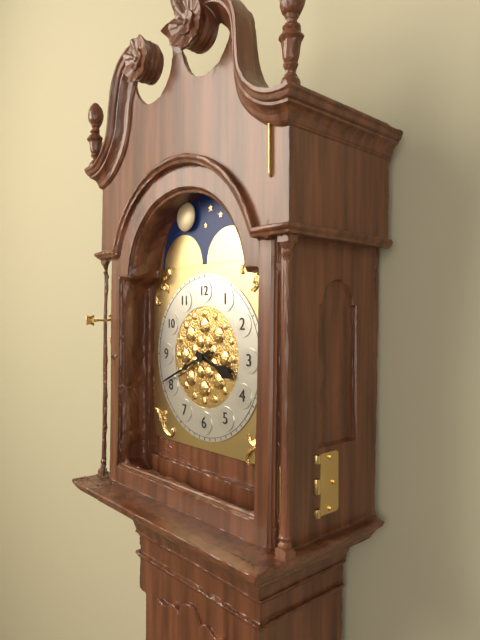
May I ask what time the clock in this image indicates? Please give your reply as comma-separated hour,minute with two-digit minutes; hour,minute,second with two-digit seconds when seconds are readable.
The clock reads 3,41
